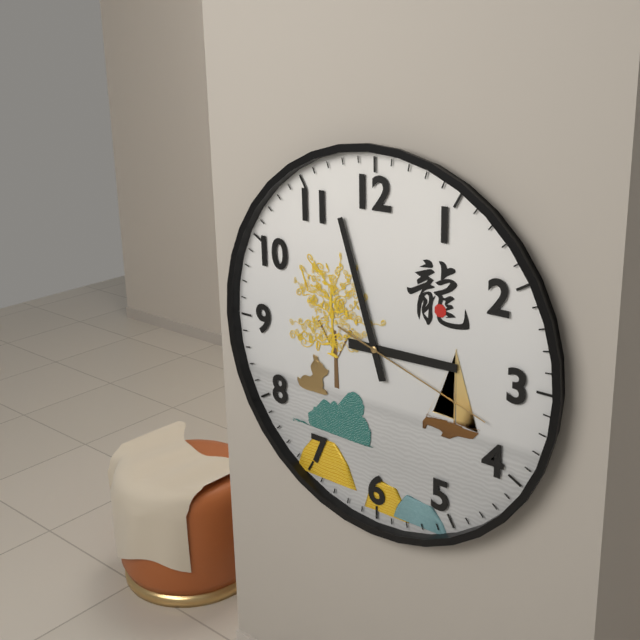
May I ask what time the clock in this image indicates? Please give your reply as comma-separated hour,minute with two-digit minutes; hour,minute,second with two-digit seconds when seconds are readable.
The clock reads 2,57,18
